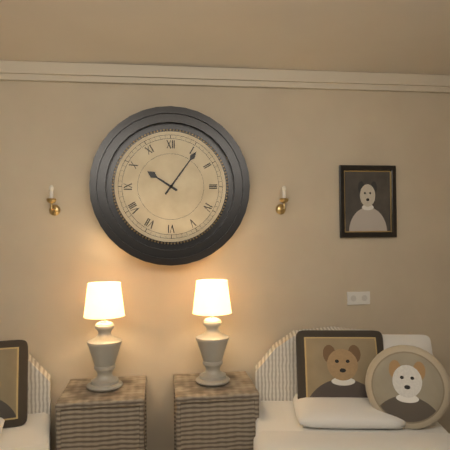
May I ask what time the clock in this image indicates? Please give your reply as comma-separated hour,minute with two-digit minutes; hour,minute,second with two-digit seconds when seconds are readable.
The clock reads 10,06
